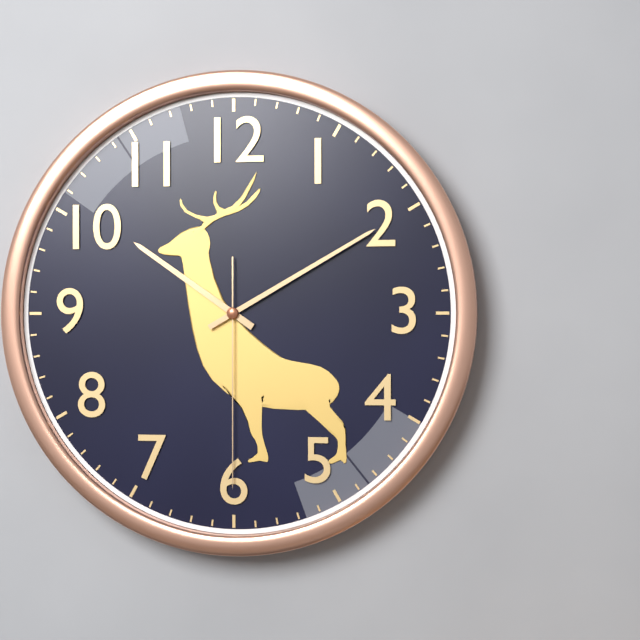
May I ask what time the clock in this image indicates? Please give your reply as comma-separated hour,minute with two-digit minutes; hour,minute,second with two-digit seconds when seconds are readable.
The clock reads 10,10,30
